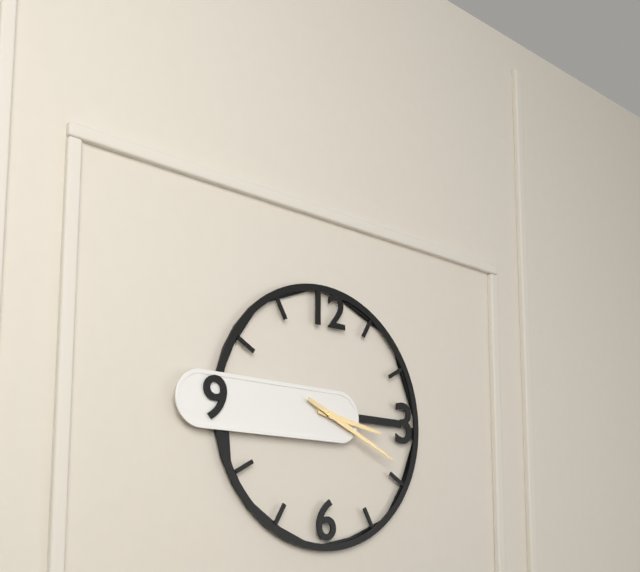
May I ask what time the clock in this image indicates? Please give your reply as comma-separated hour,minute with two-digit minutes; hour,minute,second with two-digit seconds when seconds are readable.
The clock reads 3,19
